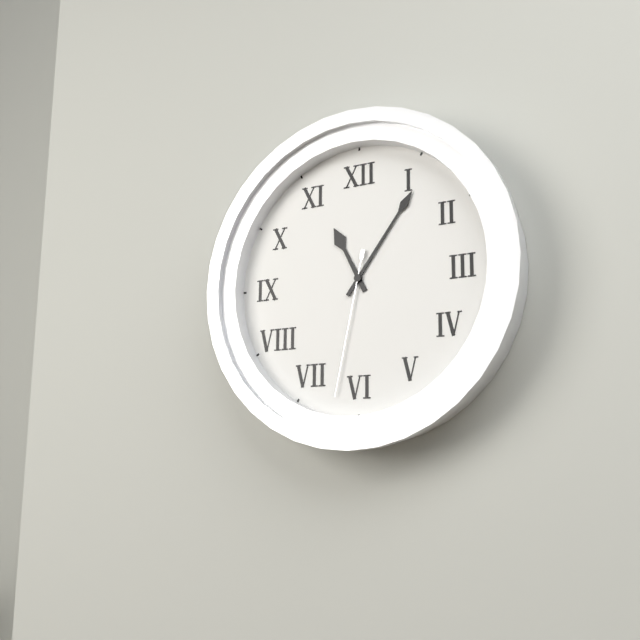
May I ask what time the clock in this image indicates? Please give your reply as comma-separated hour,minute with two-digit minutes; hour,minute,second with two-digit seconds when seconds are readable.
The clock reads 11,06,32
